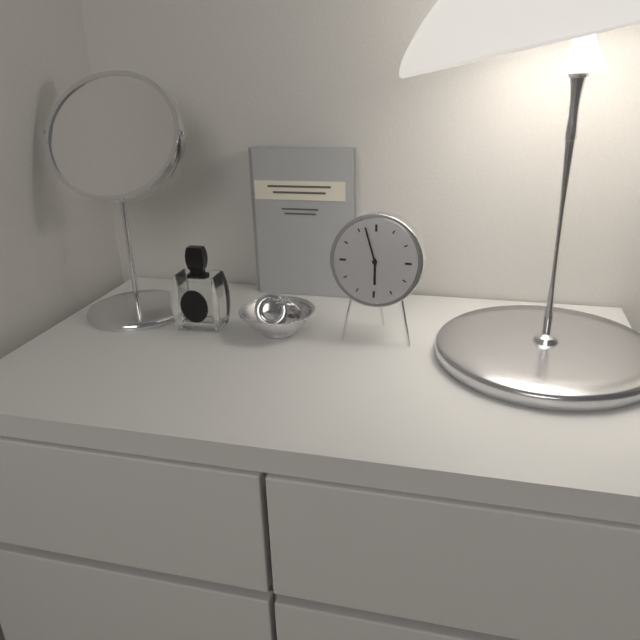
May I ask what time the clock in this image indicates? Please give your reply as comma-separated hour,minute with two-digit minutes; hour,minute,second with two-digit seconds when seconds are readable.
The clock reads 5,57
